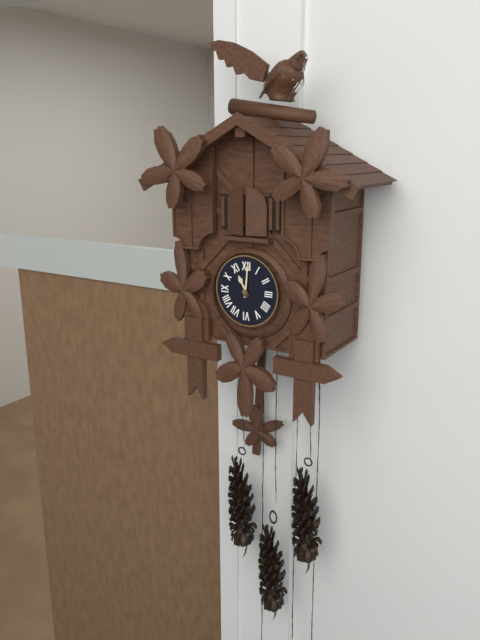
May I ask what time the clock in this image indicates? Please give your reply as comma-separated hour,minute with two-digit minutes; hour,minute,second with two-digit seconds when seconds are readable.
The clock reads 11,01
